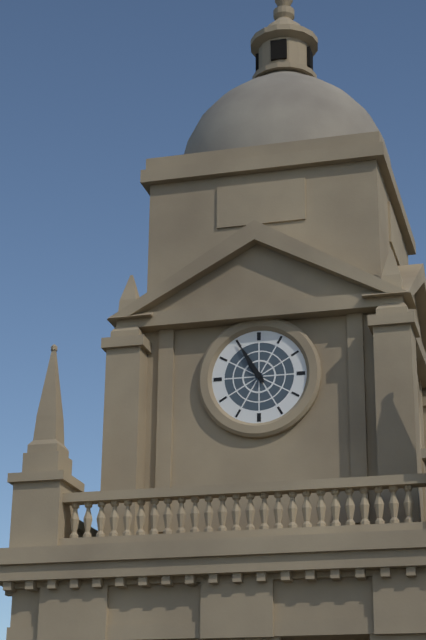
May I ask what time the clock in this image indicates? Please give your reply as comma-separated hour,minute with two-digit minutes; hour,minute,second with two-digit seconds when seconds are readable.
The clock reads 10,55
